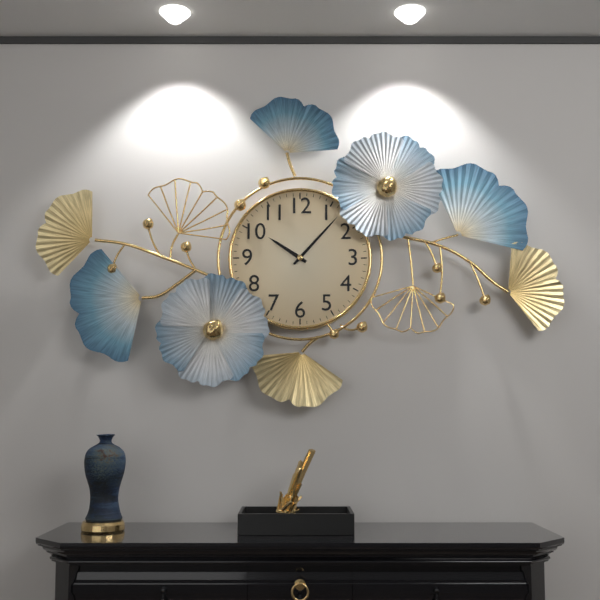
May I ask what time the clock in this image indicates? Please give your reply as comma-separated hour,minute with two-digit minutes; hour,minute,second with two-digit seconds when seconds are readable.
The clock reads 10,07
